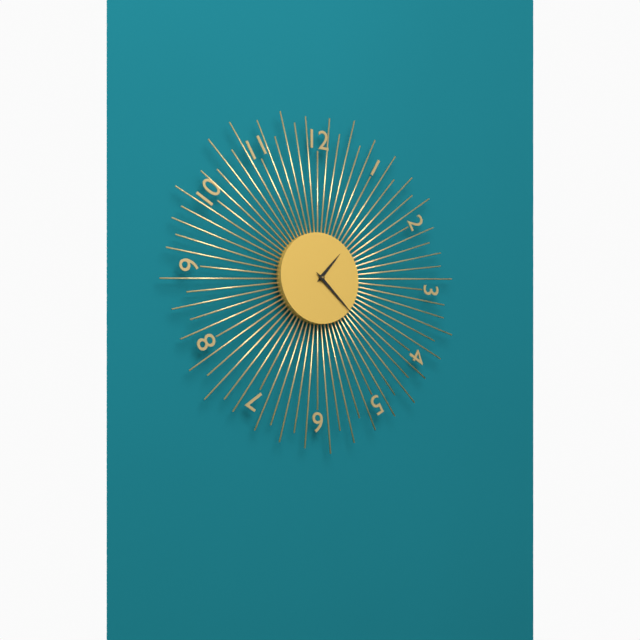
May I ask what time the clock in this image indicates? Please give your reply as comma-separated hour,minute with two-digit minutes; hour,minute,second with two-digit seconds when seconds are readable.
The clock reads 1,22
